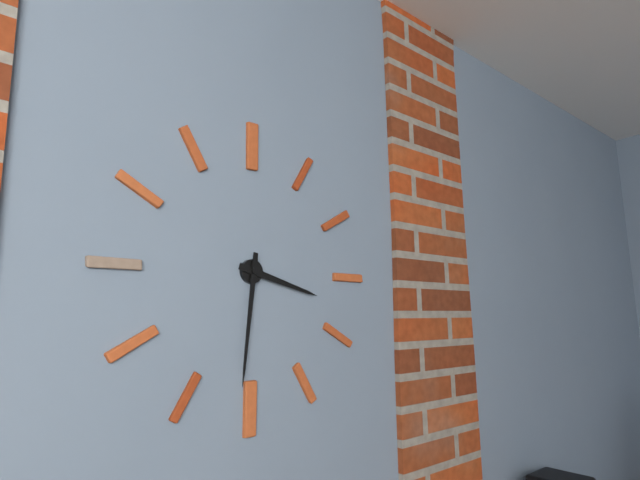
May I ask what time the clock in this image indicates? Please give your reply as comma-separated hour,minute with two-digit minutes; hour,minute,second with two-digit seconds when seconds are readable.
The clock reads 3,31
